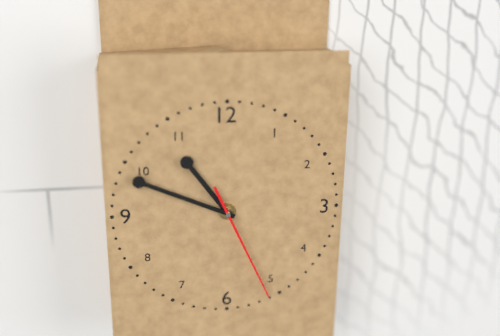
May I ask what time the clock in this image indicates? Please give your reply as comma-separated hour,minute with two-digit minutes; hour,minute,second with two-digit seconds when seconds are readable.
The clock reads 10,49,26
